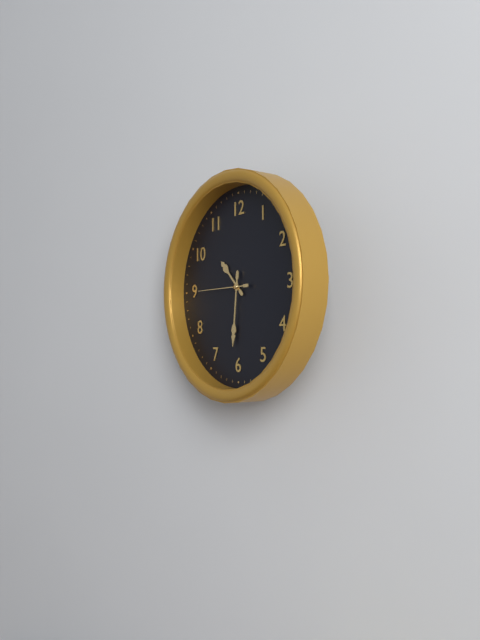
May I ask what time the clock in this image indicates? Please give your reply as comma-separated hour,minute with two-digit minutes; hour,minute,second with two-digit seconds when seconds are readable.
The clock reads 10,31
